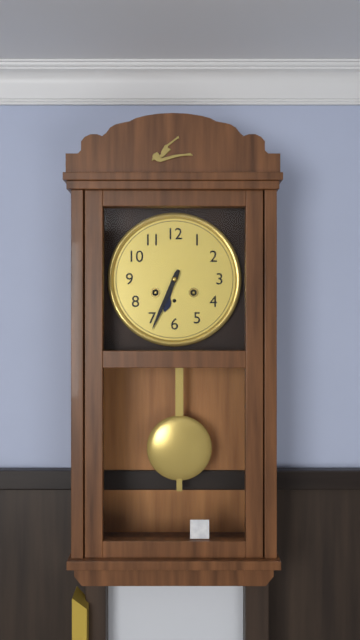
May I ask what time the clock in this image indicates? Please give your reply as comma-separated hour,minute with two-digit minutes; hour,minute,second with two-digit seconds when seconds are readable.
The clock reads 6,34
